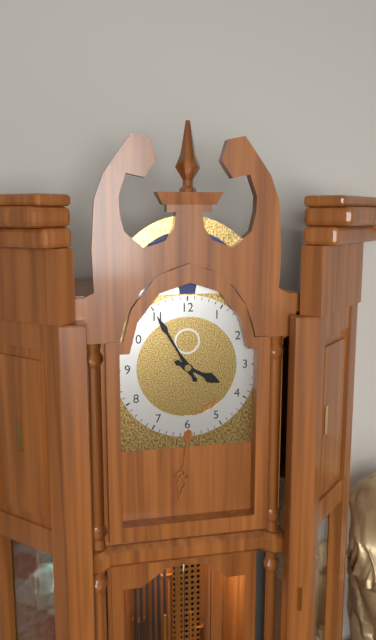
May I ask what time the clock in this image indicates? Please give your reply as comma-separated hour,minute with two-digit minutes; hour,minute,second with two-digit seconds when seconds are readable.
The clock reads 3,55
